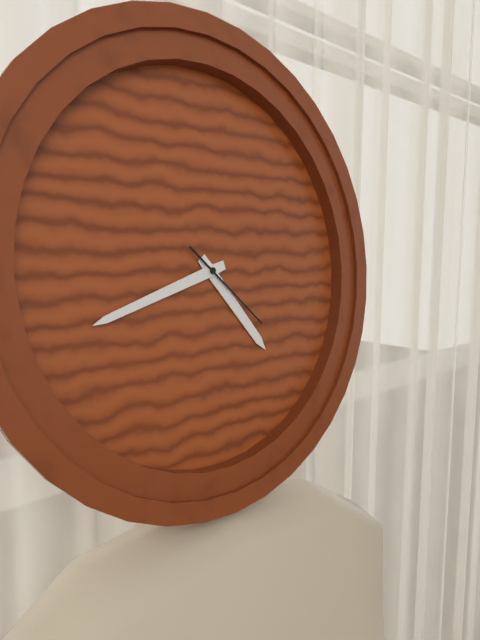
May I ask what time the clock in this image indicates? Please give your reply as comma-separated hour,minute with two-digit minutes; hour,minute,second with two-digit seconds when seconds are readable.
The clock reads 4,42,22
